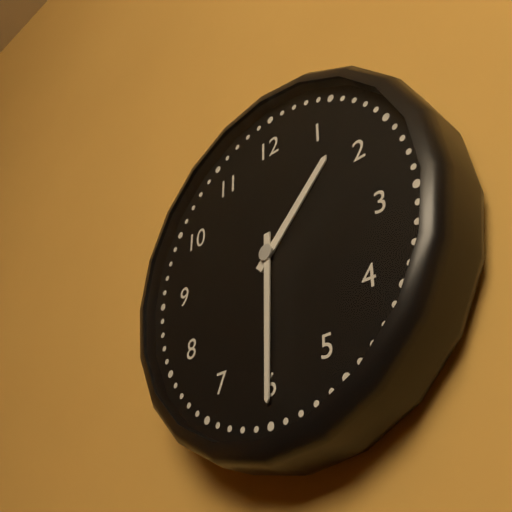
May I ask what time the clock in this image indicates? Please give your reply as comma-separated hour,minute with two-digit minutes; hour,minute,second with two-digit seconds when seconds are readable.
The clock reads 1,30
